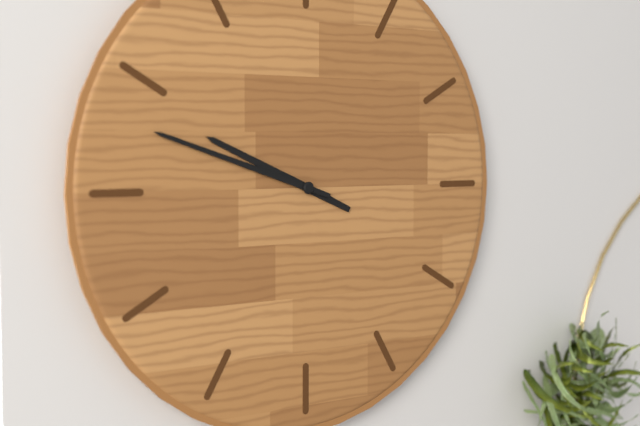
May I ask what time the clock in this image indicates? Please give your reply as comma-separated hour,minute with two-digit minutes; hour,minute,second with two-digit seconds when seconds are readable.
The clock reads 9,48
